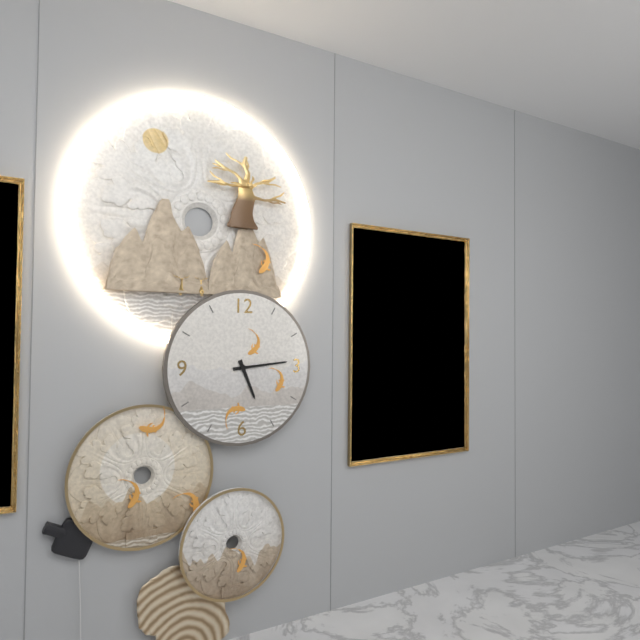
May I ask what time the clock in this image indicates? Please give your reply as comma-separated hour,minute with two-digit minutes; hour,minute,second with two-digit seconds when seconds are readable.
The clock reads 5,14
